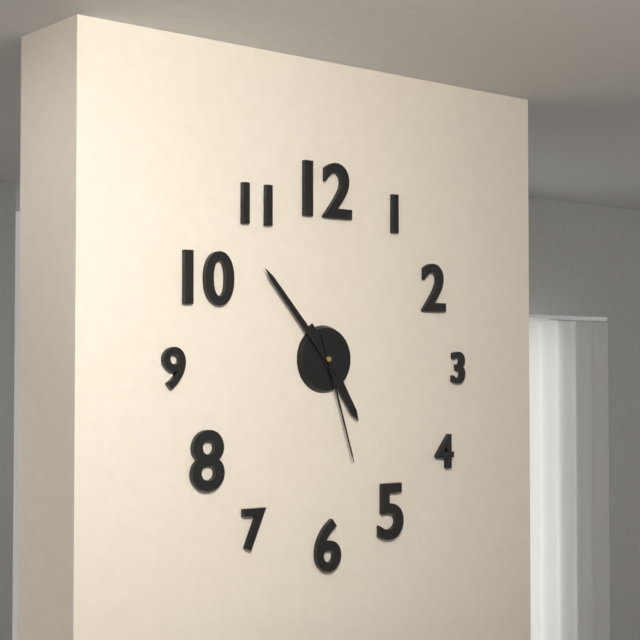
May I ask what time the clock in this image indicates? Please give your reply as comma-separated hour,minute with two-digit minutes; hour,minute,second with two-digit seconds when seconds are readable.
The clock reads 4,53,27
